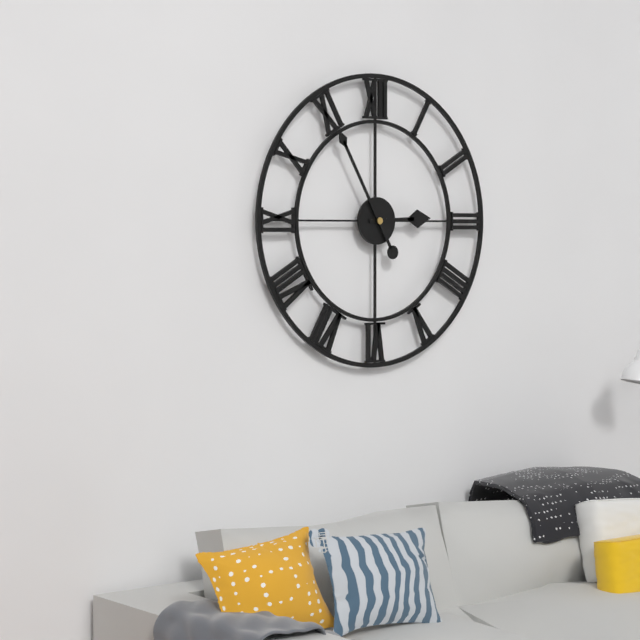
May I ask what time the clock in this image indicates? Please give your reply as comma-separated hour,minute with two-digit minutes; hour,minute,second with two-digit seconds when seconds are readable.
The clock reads 2,55
